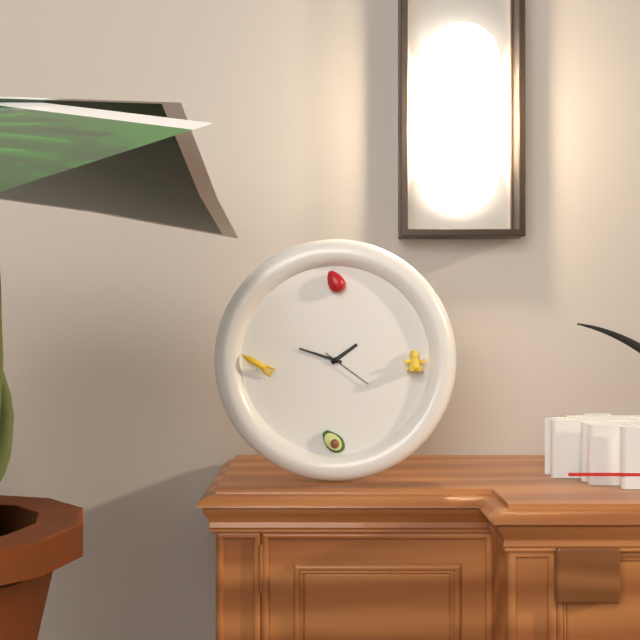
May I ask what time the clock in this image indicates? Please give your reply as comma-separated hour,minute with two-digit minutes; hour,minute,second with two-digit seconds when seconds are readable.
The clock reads 1,48,21
